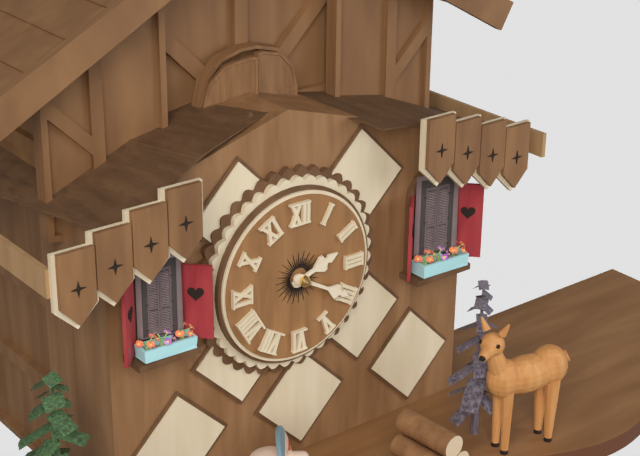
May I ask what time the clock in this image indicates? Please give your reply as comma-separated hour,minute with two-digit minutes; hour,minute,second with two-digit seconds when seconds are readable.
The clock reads 2,20
